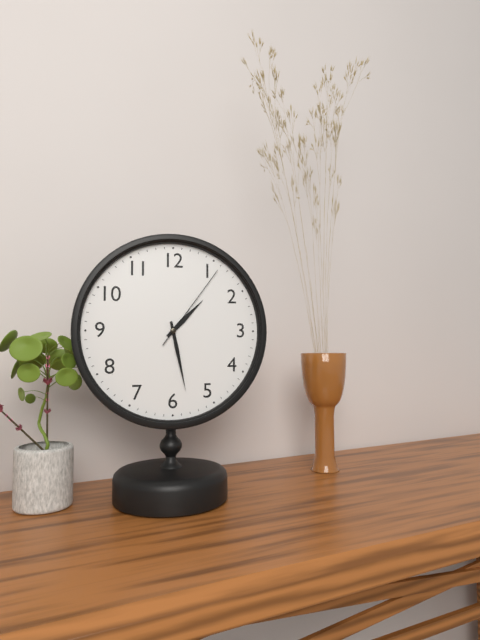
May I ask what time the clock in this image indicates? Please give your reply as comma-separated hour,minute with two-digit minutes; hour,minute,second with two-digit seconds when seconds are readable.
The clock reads 1,28,06
